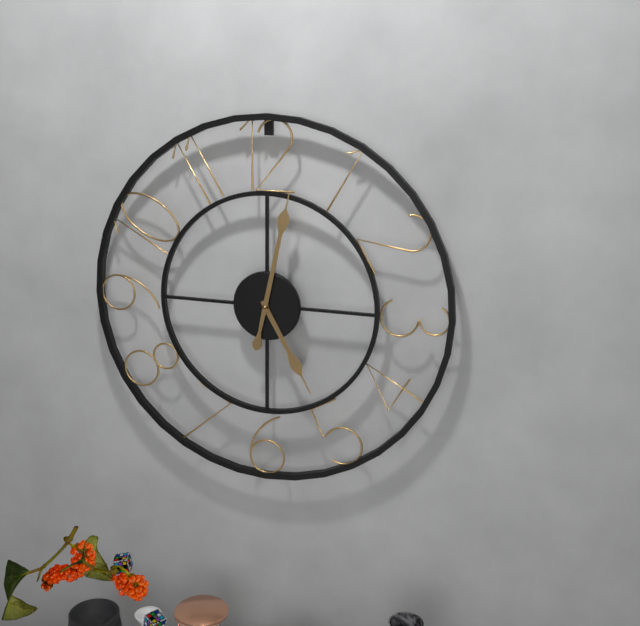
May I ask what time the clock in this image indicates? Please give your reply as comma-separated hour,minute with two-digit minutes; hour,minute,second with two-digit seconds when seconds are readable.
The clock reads 5,02
